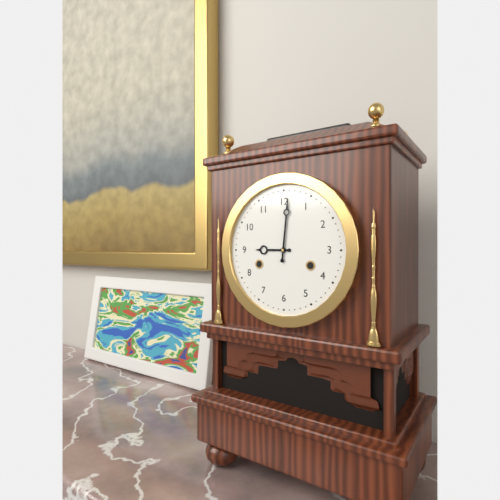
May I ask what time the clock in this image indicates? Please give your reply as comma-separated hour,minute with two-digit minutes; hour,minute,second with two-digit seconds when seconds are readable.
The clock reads 9,01
